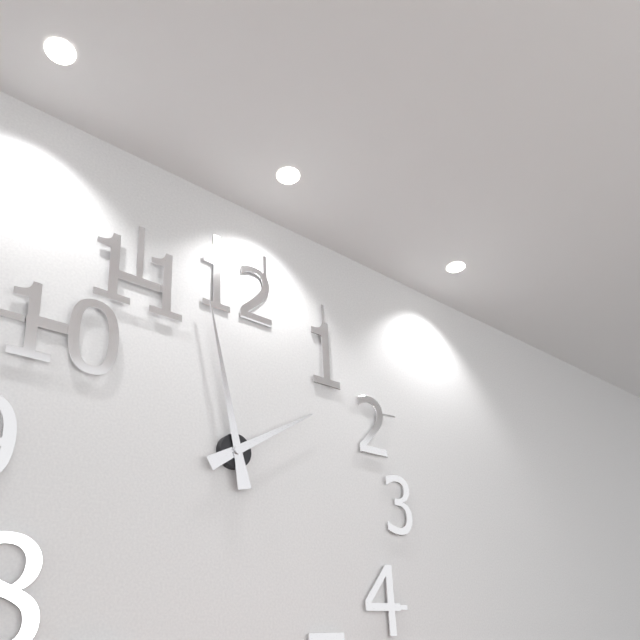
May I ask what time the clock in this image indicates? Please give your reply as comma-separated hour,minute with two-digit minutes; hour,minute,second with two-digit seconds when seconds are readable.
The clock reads 1,58
